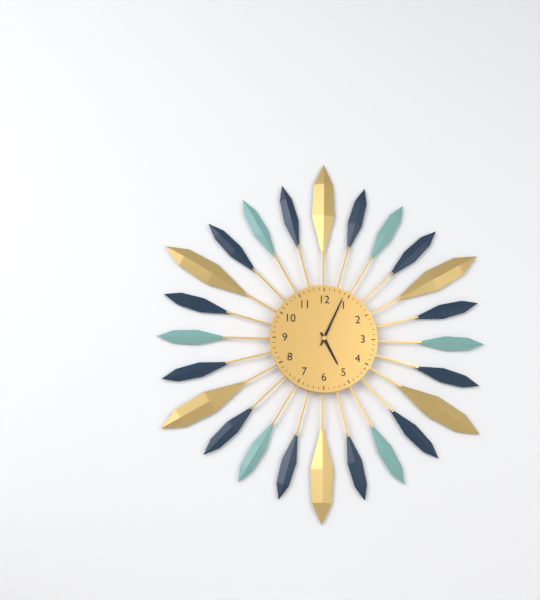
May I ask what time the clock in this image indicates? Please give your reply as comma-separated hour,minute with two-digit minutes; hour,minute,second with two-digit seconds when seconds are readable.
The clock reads 5,04
